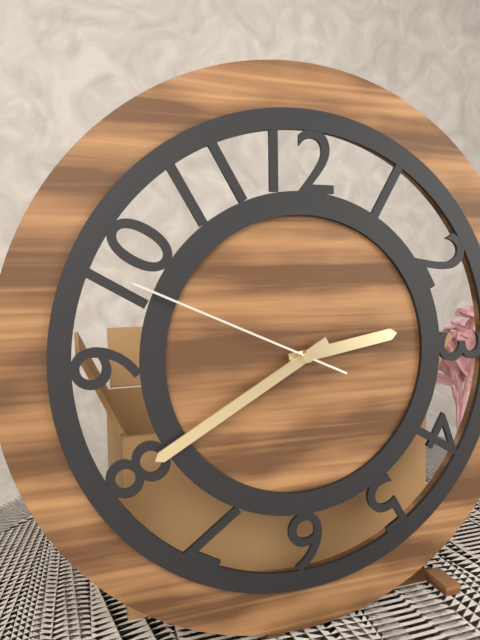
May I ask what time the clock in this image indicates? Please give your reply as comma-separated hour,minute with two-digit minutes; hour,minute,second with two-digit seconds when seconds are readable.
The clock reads 2,40,49
